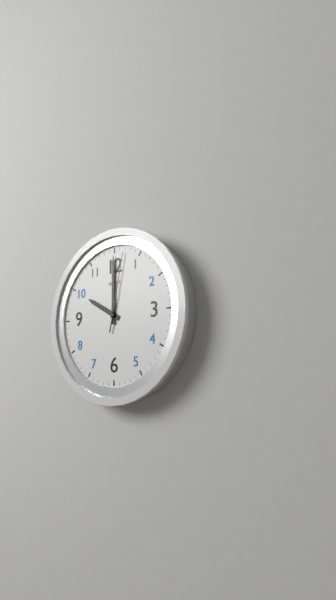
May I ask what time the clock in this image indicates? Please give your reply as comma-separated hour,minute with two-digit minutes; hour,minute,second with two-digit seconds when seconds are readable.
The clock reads 10,00,02
